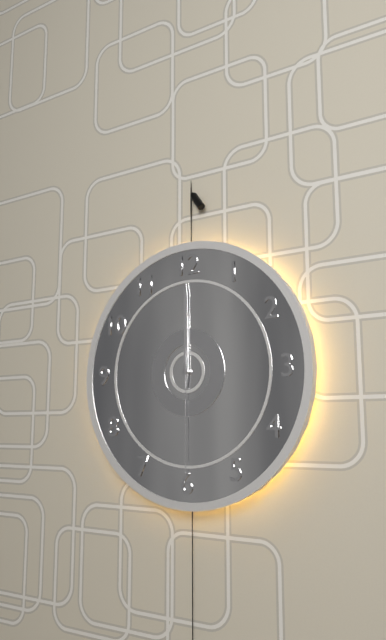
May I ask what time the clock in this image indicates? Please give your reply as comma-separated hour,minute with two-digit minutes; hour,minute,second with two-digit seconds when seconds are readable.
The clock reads 12,00,30
